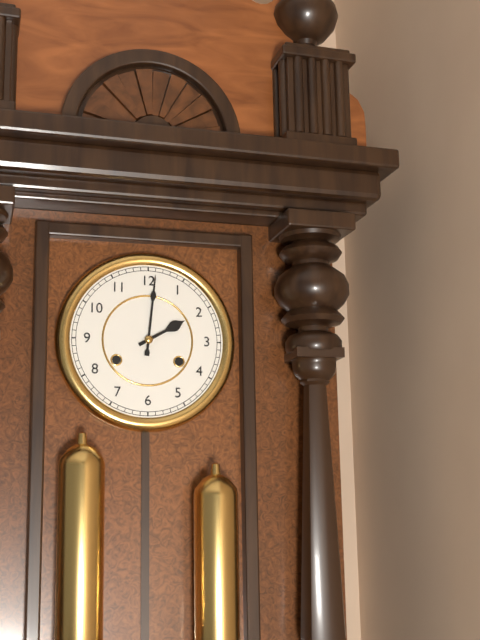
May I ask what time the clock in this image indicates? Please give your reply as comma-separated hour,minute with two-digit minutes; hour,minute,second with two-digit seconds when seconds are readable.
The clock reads 2,01
